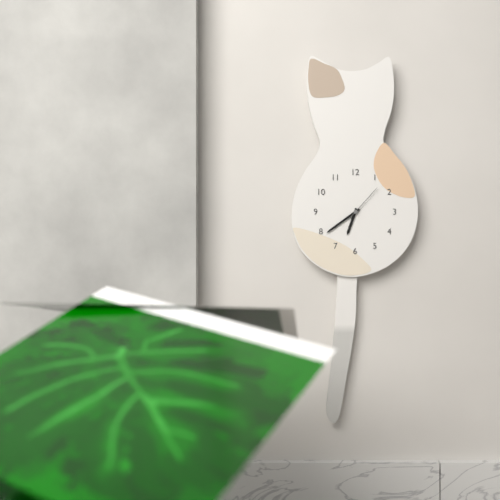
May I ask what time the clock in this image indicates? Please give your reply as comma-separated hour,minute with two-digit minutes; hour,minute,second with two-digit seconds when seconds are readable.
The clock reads 6,39
